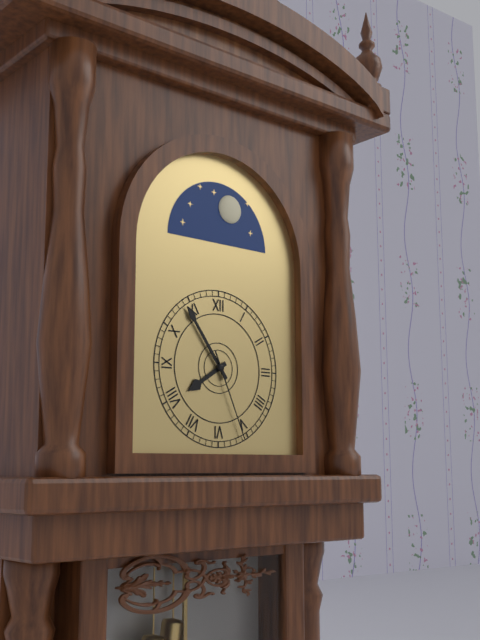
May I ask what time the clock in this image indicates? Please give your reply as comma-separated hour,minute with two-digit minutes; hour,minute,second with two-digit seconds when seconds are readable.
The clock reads 7,54,26
